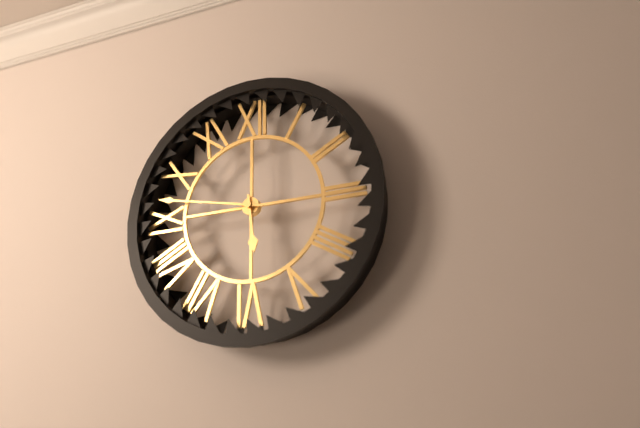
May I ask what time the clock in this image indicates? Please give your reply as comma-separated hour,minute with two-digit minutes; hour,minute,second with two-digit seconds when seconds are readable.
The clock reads 5,47
